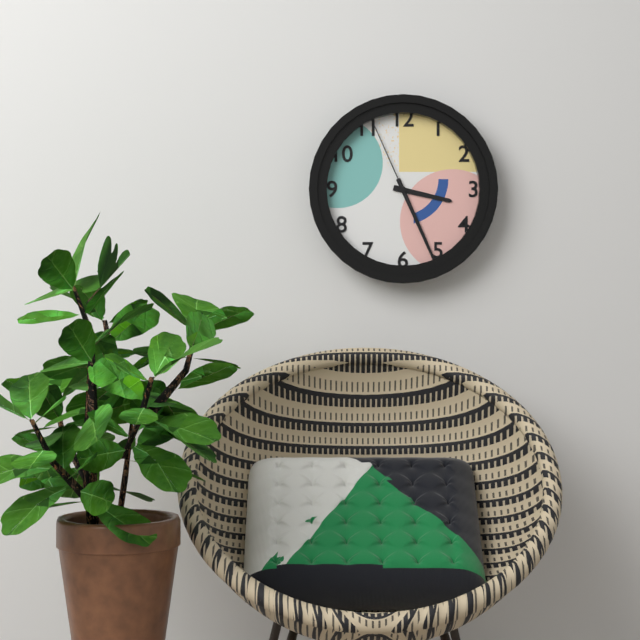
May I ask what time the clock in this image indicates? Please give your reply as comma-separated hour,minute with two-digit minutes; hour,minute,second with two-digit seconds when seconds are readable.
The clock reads 3,26,56
